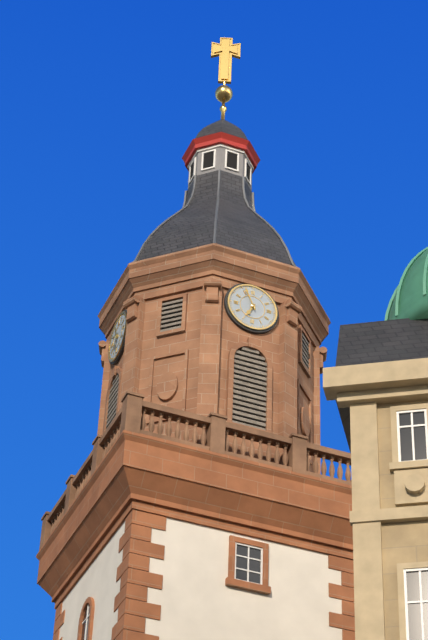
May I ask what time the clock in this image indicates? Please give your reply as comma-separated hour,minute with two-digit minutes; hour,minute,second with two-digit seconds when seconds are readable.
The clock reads 6,56
